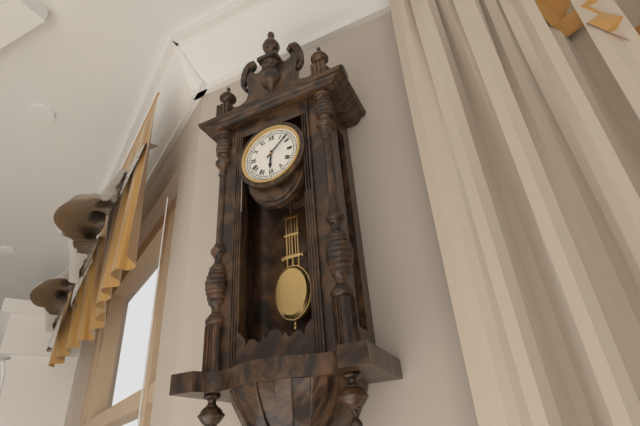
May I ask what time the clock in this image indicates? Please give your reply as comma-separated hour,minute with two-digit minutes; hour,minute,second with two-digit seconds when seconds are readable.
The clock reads 6,08
